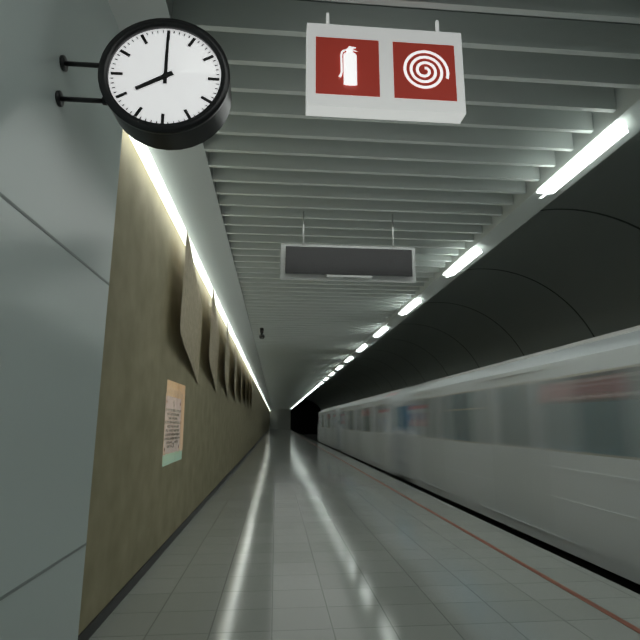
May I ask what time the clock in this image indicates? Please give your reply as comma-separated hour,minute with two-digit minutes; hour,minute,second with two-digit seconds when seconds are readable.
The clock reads 8,00
